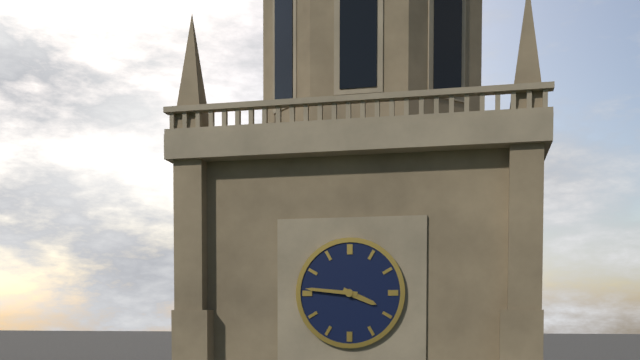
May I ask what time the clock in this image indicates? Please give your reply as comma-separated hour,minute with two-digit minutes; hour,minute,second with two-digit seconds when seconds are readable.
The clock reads 3,46
